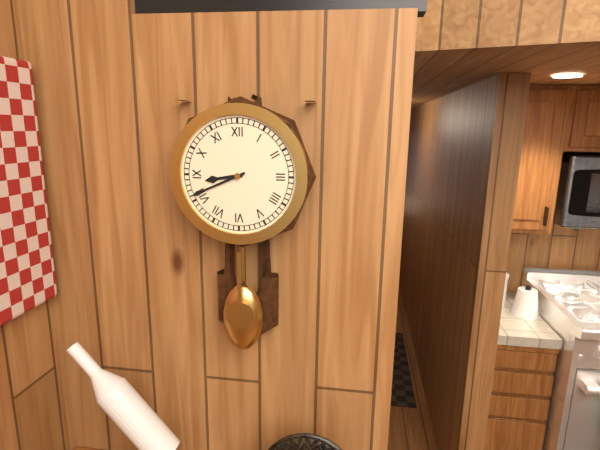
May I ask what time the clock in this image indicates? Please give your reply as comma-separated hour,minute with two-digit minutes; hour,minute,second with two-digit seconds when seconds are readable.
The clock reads 8,41
